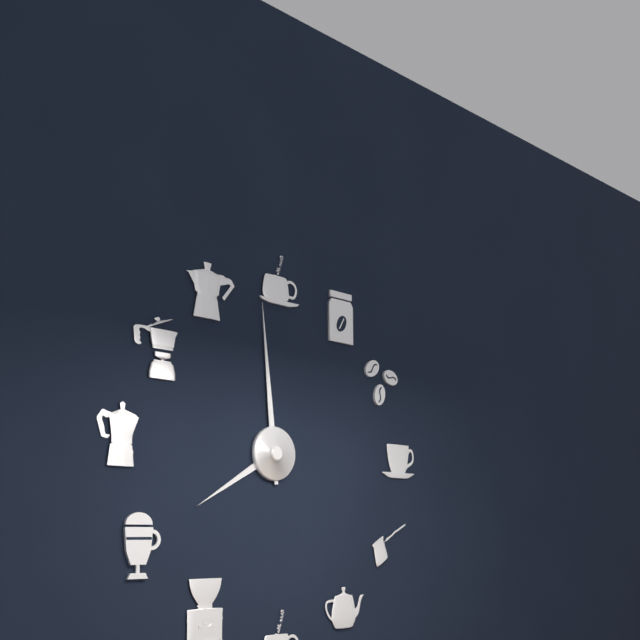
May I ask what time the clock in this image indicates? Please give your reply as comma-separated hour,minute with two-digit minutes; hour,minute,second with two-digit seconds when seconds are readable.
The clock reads 7,59
